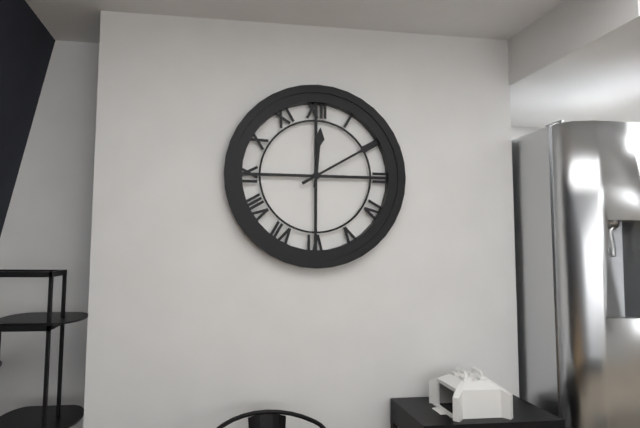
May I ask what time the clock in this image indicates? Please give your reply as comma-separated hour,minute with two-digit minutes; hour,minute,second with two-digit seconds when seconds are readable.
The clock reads 12,10
